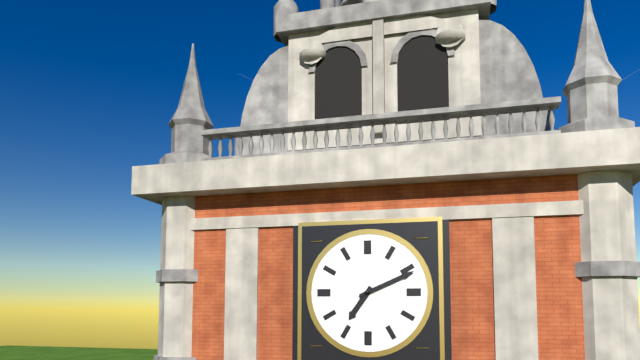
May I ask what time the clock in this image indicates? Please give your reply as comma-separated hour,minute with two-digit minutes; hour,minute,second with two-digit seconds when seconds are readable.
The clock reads 7,11
